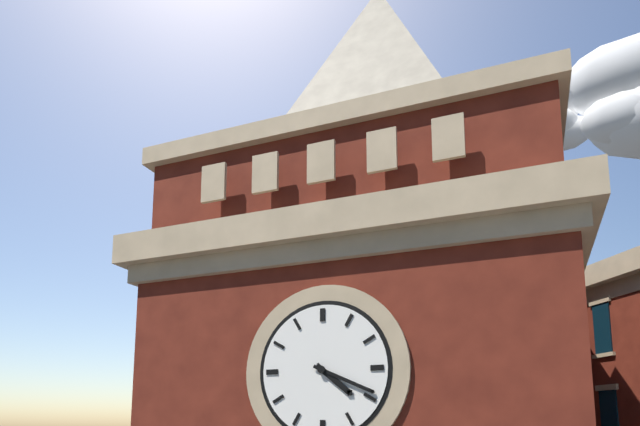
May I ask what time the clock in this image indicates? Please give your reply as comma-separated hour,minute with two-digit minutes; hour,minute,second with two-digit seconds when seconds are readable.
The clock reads 4,19
